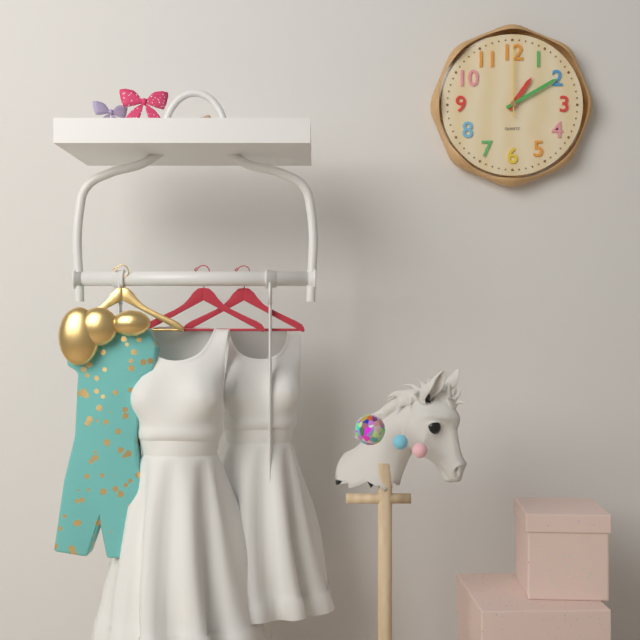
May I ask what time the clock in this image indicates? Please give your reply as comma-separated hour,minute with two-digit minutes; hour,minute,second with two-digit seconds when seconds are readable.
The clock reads 1,10,00
